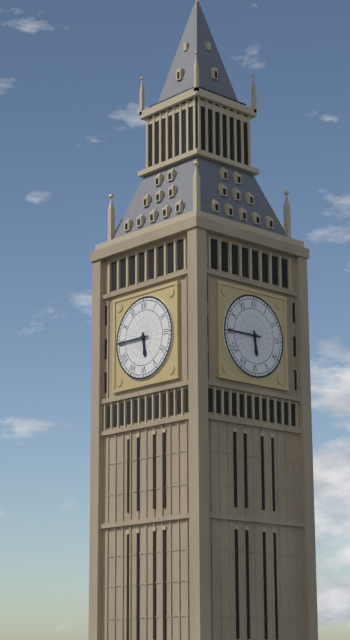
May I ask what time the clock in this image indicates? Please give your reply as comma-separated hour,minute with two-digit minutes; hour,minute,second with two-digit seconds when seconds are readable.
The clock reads 5,45
